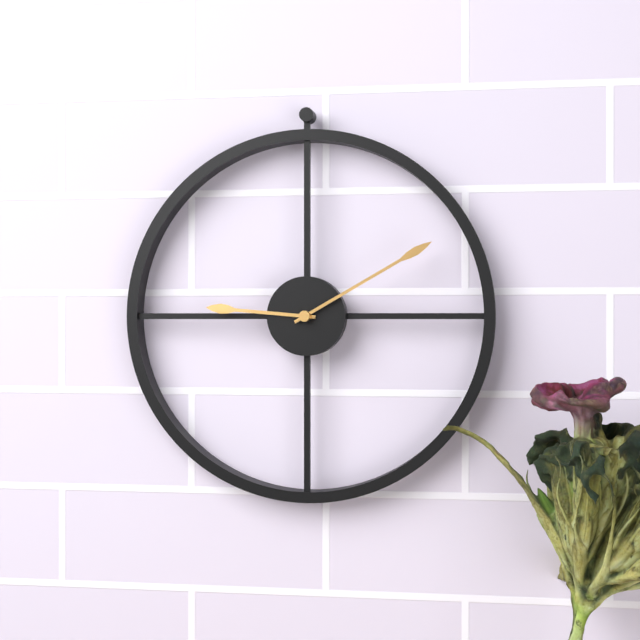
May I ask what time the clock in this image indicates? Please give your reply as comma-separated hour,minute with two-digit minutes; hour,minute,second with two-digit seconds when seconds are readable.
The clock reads 9,10
